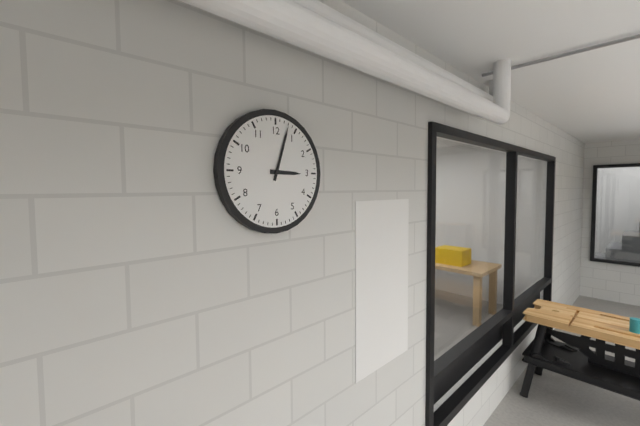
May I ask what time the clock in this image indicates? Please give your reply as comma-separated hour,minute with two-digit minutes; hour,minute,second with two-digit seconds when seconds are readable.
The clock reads 3,03
